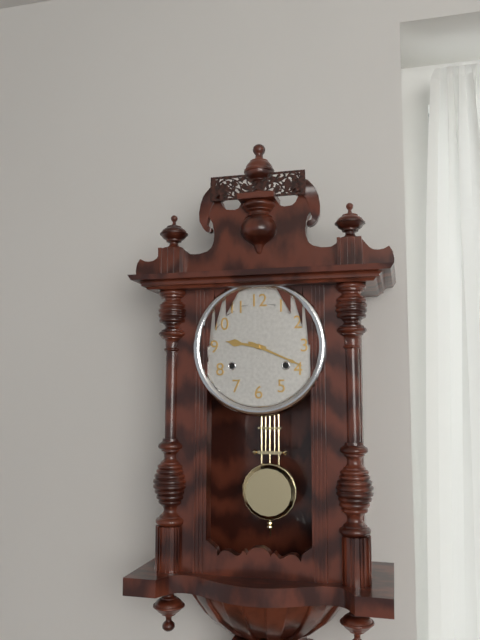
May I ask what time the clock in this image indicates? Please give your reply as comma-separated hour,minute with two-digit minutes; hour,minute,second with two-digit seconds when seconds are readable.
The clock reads 9,19
